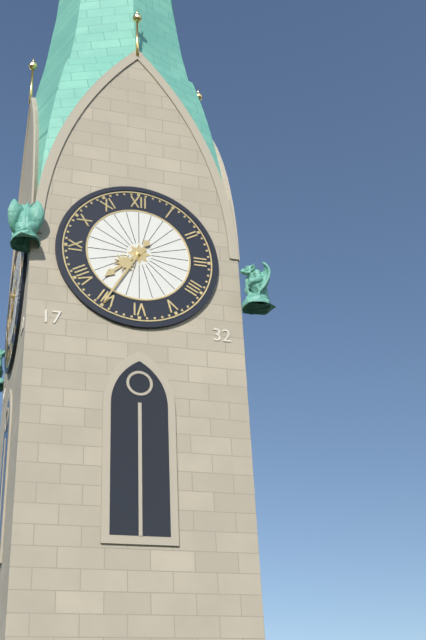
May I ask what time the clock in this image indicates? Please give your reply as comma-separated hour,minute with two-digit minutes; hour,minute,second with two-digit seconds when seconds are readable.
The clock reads 7,35
